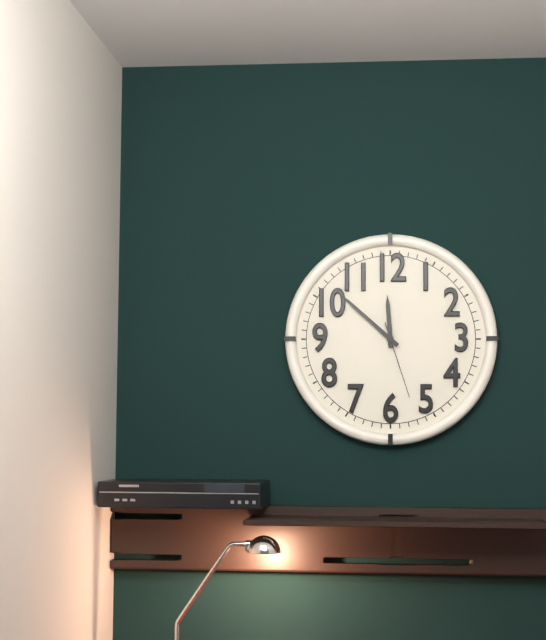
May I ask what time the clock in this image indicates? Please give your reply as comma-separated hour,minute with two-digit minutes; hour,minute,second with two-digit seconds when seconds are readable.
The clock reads 11,52,27
